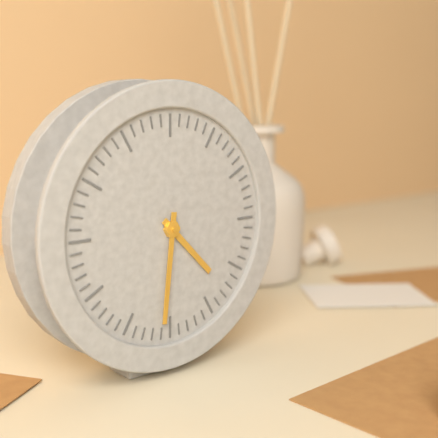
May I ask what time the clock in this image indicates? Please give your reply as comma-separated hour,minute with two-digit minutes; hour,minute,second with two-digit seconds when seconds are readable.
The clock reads 4,31
